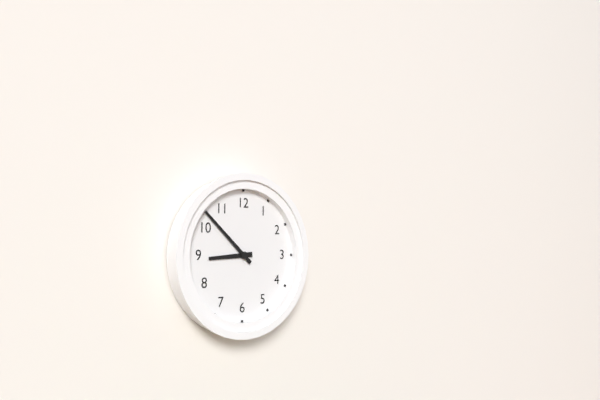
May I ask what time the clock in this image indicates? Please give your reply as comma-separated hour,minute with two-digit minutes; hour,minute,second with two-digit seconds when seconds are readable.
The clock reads 8,52
